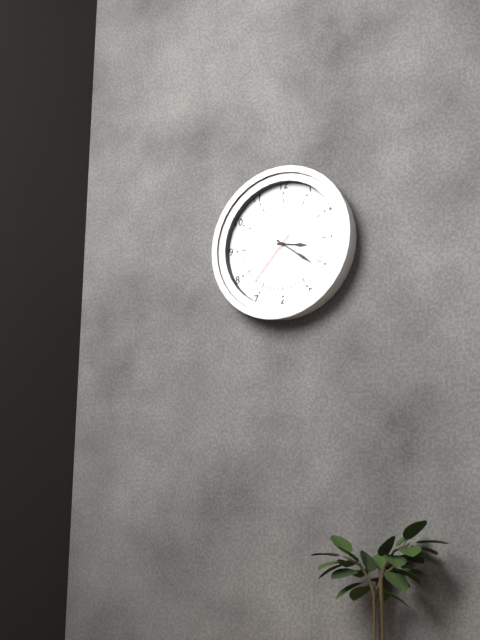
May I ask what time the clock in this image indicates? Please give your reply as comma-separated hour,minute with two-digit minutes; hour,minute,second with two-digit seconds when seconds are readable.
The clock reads 3,21,37
